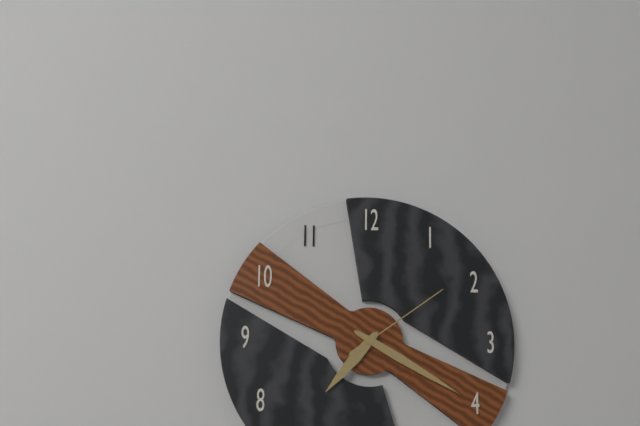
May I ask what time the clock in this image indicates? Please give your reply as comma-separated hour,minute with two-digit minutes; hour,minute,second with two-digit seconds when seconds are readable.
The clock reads 7,20,09
